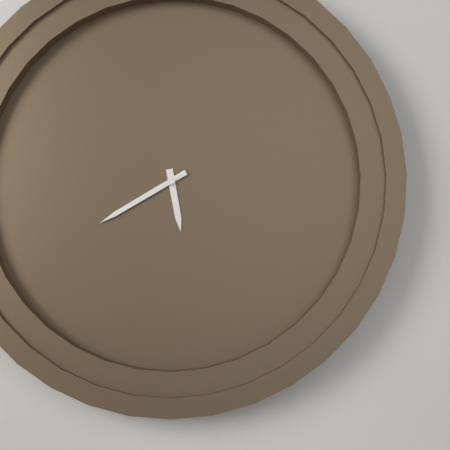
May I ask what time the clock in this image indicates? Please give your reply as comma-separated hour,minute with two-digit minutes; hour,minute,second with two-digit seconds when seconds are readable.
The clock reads 5,40
